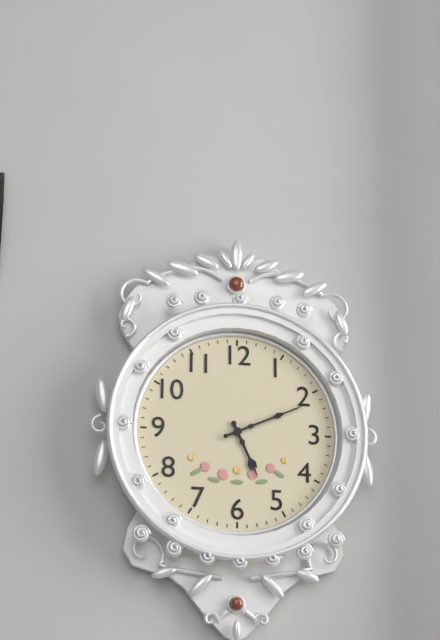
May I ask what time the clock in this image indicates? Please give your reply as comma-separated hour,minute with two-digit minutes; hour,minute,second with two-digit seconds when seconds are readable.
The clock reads 5,11
